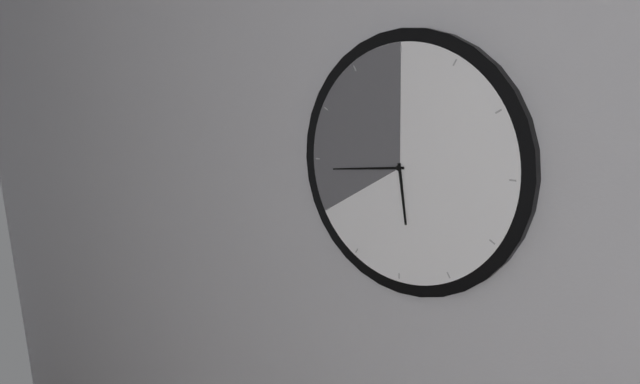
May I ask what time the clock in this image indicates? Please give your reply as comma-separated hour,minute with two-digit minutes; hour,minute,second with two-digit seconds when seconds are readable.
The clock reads 5,44
